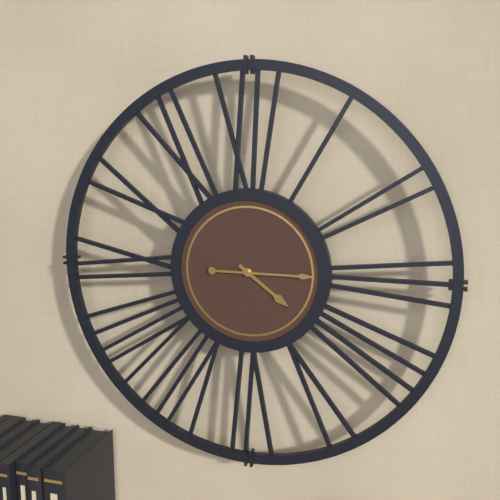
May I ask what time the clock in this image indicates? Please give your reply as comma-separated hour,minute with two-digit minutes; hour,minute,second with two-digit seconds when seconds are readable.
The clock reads 4,15
